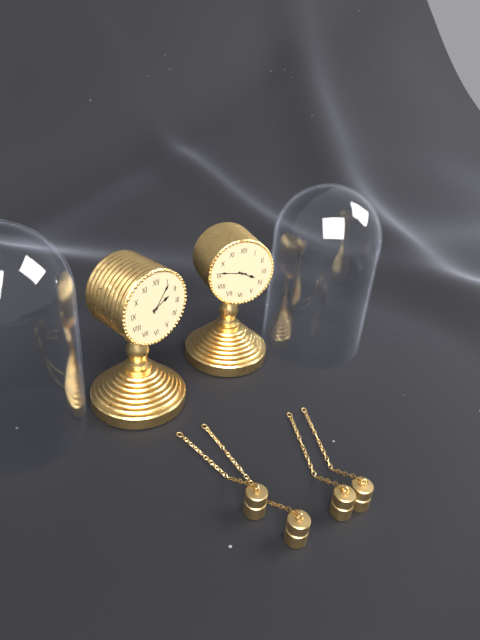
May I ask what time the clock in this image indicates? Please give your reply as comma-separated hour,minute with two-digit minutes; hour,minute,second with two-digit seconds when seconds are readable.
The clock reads 2,06
